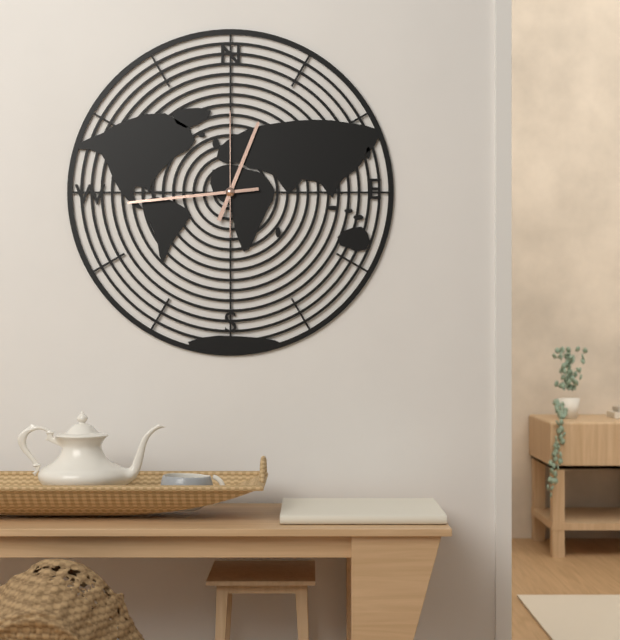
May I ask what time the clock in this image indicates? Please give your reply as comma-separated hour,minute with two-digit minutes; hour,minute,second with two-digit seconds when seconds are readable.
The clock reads 12,44,00
